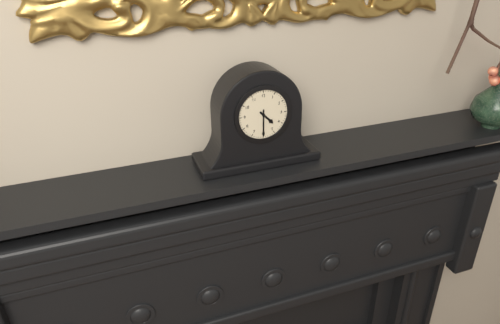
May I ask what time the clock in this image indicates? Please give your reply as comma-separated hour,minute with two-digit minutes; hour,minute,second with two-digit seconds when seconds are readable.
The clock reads 4,30
